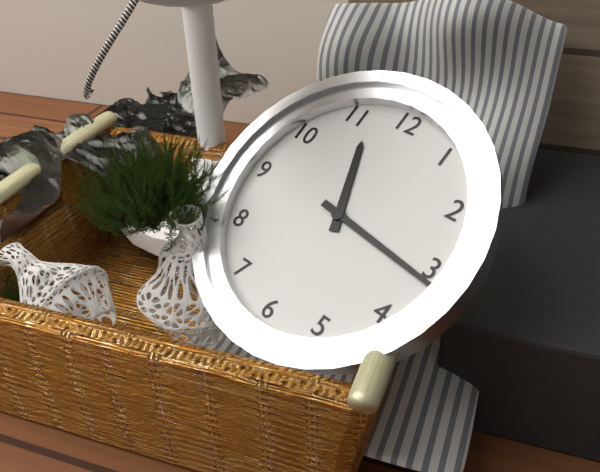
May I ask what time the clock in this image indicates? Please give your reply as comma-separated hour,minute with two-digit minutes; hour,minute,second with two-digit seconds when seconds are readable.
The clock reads 11,16
